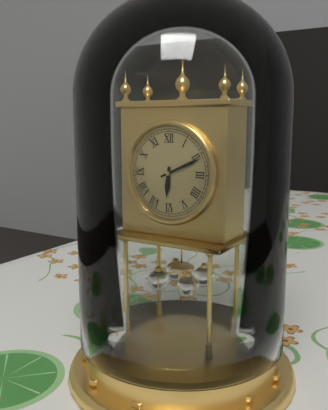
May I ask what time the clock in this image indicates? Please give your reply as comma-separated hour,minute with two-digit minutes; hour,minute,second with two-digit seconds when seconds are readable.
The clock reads 6,11
